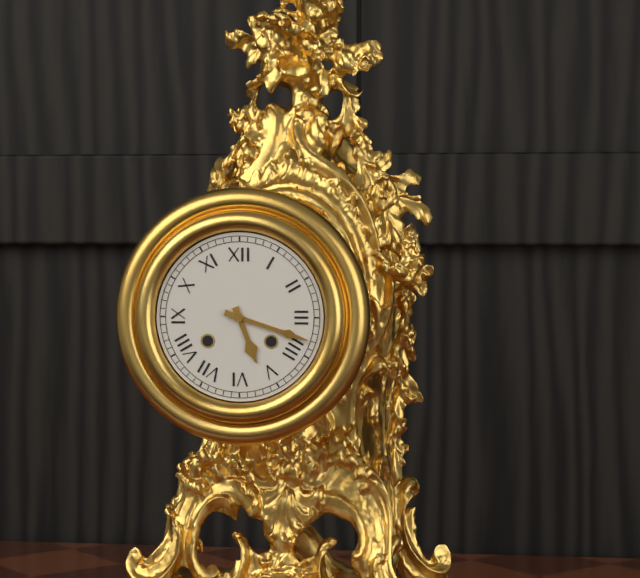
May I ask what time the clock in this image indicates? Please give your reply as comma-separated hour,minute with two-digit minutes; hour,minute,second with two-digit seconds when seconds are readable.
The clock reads 5,18
